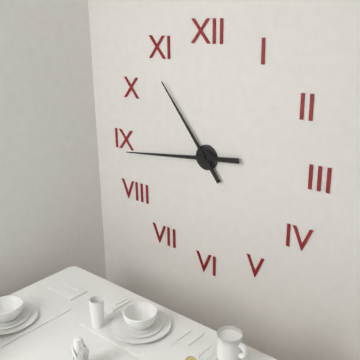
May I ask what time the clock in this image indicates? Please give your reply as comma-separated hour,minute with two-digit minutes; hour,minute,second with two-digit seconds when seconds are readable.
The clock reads 10,44
